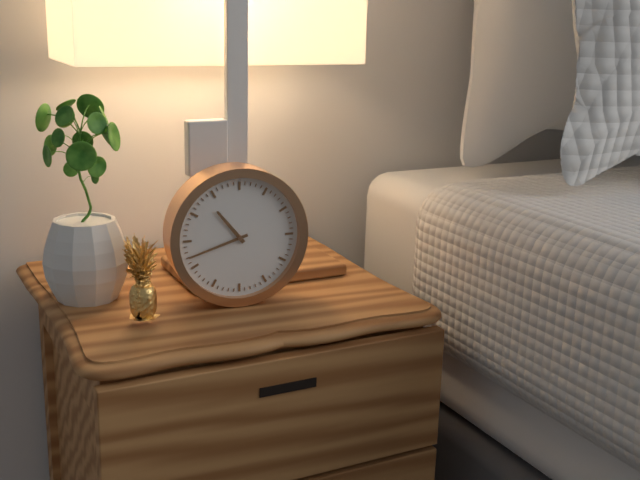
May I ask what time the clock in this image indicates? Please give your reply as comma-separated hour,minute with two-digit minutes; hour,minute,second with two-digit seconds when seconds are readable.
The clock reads 10,42
